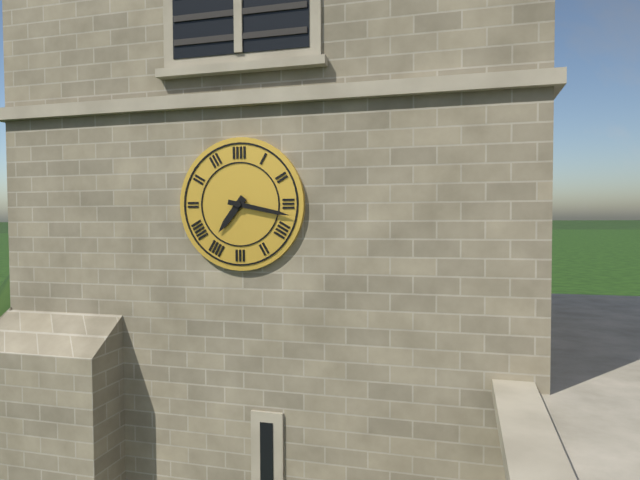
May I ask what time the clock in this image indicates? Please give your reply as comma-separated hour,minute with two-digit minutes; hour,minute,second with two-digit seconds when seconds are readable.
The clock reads 7,17
